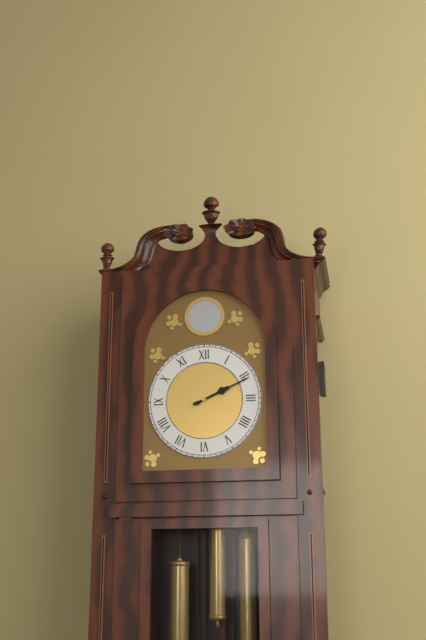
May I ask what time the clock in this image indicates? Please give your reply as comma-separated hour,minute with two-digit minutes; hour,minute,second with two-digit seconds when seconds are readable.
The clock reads 2,11
